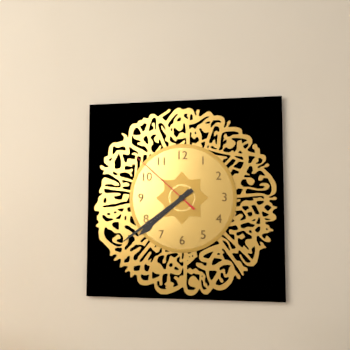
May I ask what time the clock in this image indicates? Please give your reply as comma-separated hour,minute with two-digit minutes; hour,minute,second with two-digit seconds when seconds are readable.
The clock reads 7,39,52
